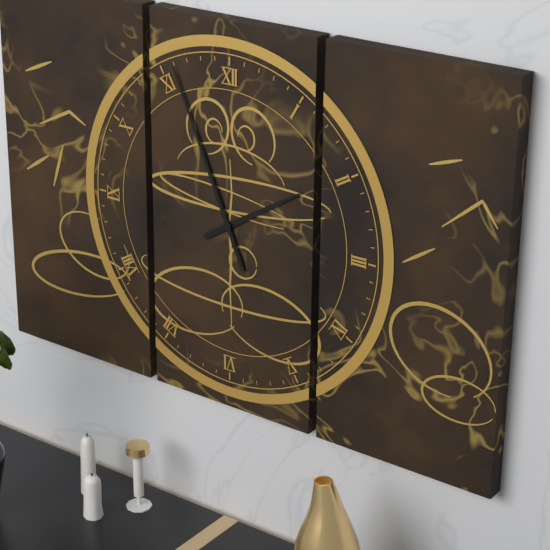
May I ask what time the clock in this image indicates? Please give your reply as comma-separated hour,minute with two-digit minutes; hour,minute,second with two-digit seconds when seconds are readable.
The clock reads 1,56
